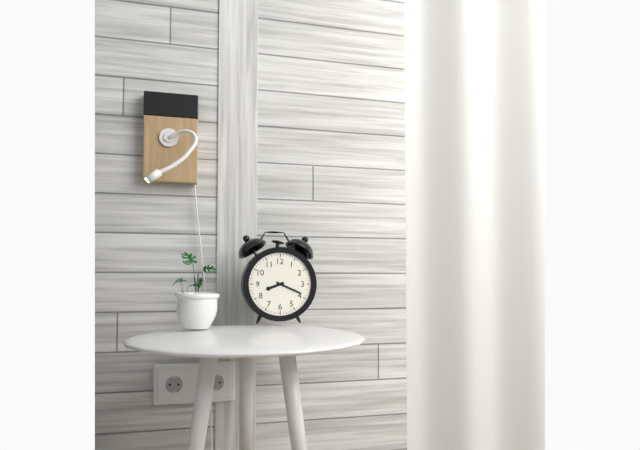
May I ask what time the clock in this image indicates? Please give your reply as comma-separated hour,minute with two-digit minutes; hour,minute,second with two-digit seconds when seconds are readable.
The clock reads 8,19
